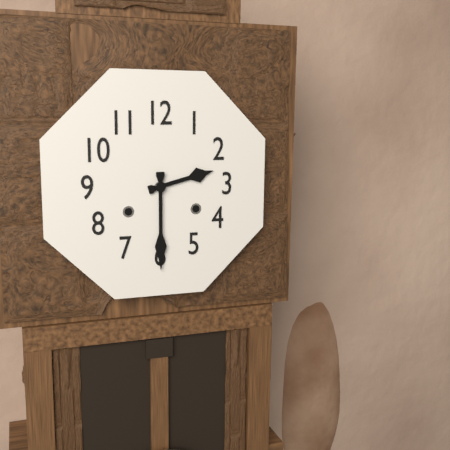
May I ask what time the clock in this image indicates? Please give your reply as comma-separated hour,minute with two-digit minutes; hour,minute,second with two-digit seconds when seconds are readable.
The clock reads 2,30
